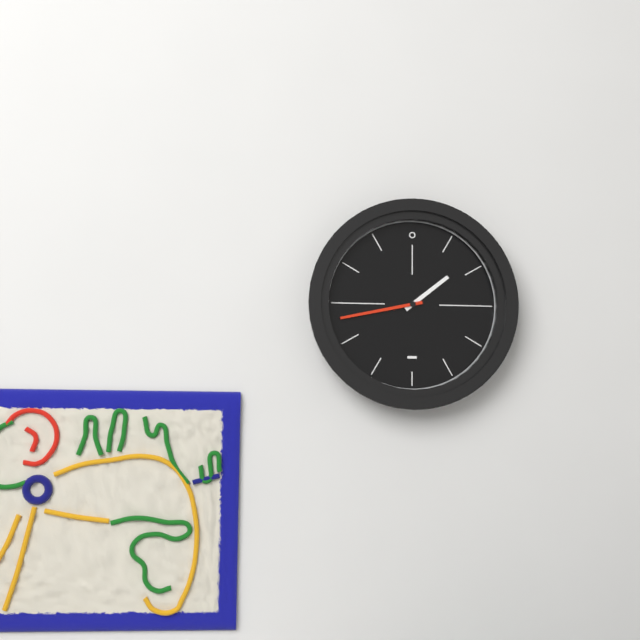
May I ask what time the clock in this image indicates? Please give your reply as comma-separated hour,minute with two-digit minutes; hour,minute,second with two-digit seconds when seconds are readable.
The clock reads 1,43
